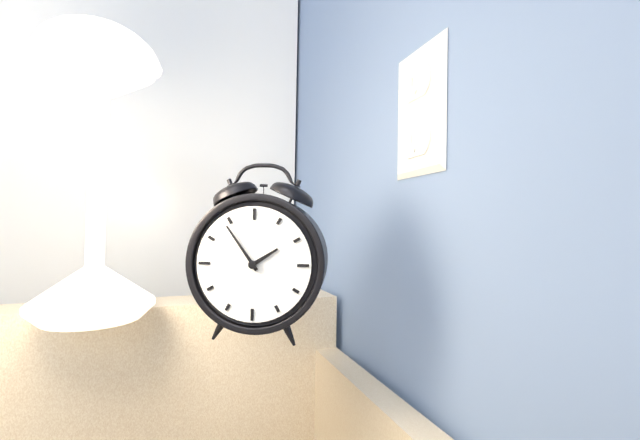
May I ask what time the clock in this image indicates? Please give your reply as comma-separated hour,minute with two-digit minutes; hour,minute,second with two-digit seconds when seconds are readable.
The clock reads 1,54
